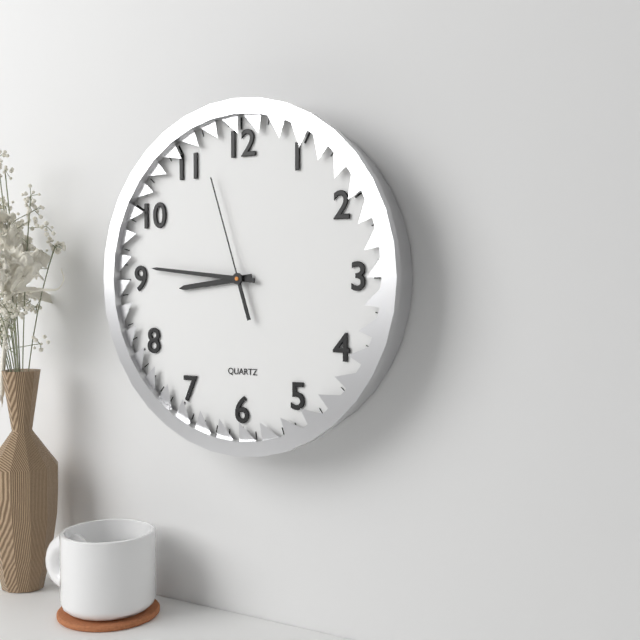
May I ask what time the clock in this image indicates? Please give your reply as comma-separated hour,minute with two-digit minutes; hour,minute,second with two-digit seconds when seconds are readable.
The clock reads 8,46,57
